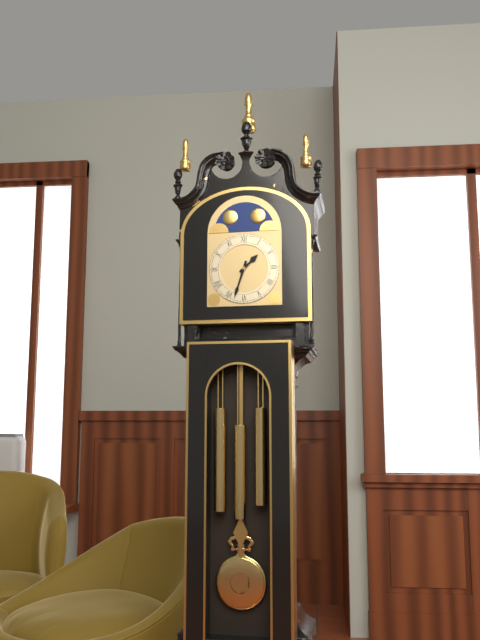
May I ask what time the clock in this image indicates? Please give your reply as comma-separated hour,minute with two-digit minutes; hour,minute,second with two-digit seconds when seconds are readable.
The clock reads 1,33
